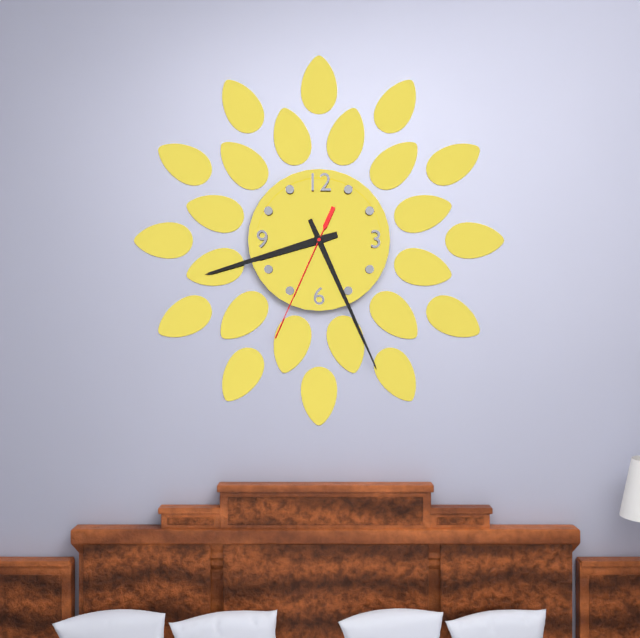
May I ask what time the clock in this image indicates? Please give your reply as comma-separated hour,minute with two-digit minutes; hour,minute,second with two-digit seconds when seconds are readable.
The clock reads 8,26,34
